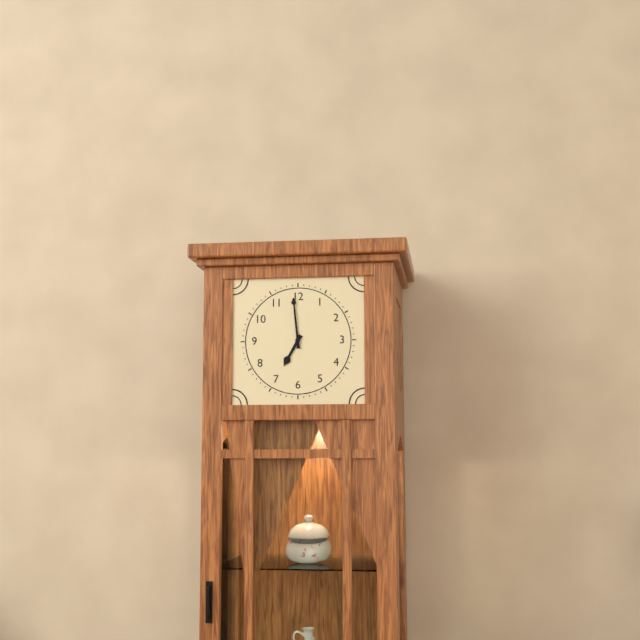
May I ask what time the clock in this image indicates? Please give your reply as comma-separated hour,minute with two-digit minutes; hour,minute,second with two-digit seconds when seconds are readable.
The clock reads 6,59
